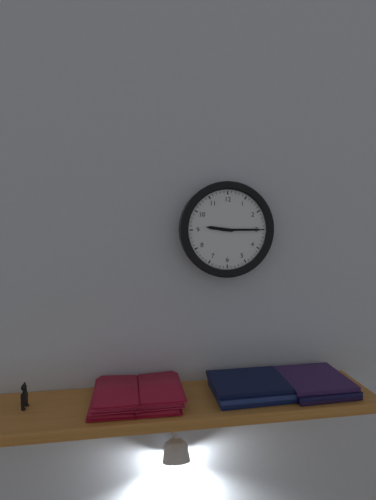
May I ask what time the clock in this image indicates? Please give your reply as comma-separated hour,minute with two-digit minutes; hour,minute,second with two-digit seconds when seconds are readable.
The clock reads 9,15
